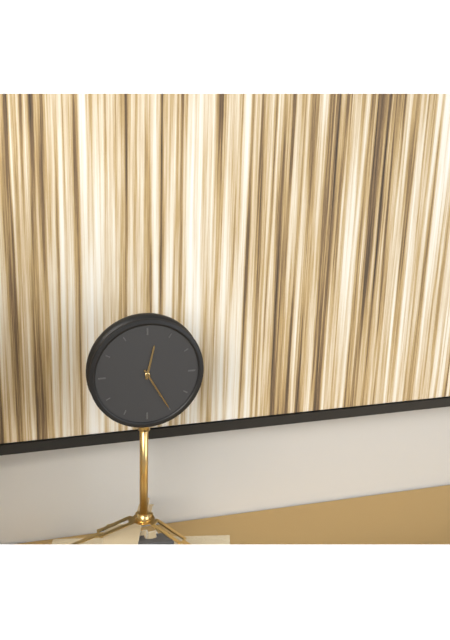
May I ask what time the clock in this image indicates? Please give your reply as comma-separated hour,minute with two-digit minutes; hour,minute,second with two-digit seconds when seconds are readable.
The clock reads 12,25
